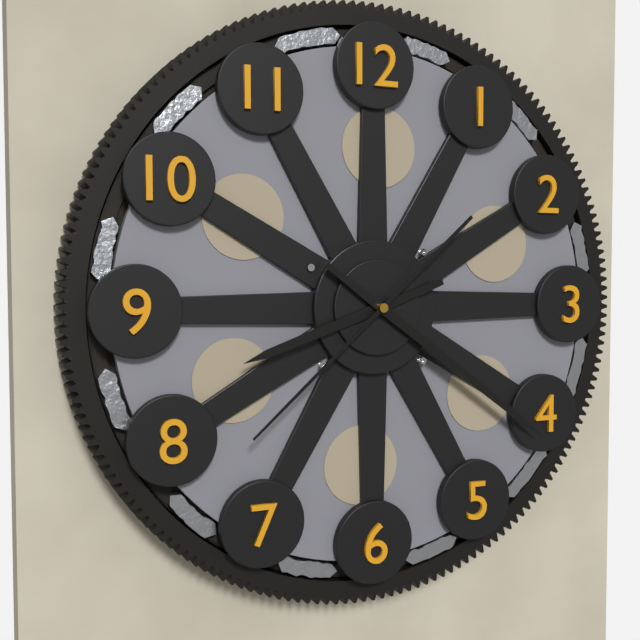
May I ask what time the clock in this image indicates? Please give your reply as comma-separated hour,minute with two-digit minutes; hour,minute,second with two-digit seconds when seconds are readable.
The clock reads 8,21,38
